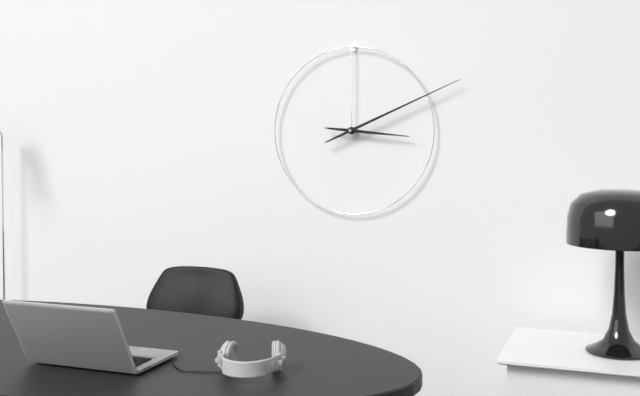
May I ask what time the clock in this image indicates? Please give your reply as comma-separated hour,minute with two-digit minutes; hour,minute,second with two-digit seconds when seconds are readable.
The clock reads 3,11
